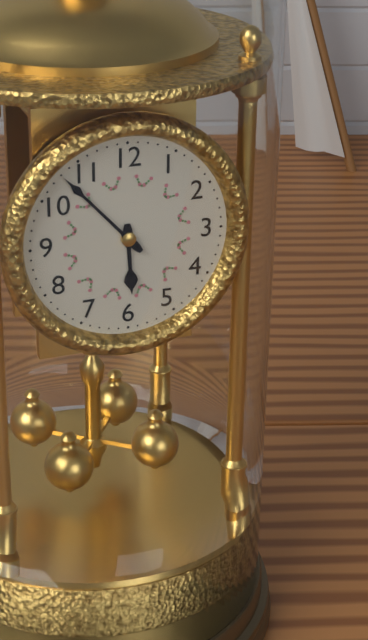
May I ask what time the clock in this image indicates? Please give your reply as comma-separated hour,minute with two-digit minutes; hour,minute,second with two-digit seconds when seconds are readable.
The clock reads 5,53
